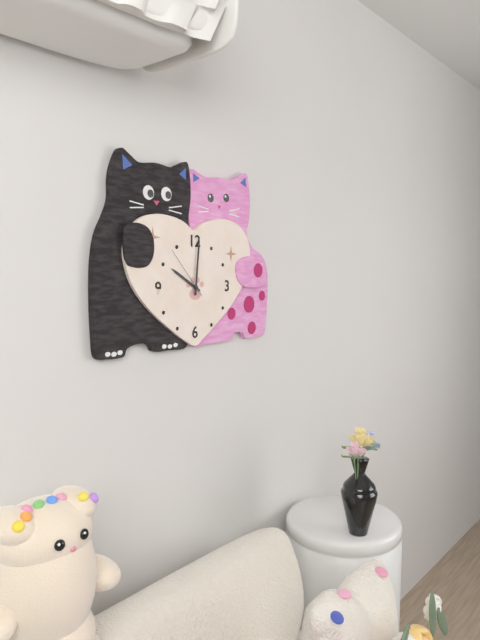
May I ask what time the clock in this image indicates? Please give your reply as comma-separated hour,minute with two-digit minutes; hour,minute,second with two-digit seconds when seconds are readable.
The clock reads 10,01,53
